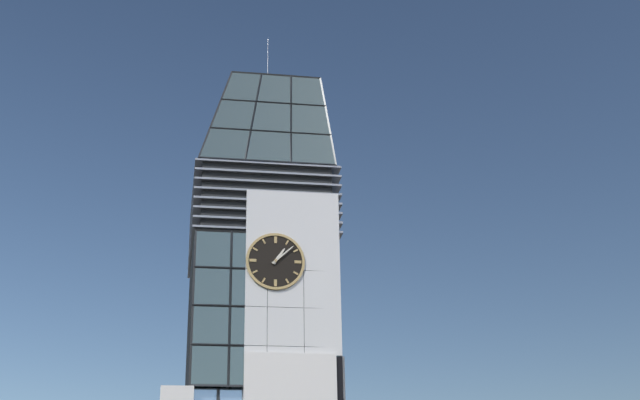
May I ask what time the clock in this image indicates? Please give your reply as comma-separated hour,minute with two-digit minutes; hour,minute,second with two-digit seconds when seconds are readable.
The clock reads 1,08
